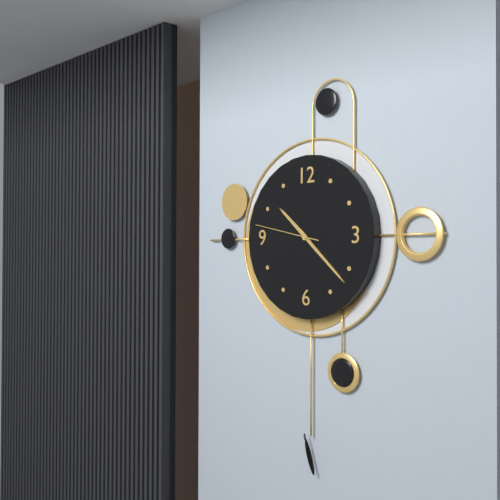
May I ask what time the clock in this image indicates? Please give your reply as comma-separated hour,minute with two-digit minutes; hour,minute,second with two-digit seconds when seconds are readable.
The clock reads 10,22,47
